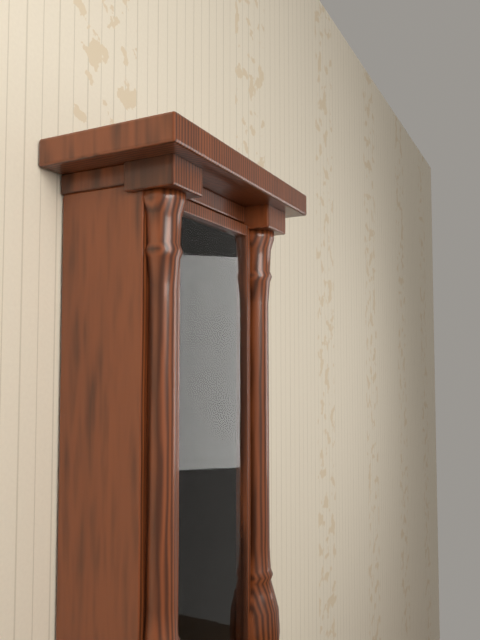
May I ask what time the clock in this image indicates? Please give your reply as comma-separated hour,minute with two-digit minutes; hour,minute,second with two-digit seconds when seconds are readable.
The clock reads 8,31
